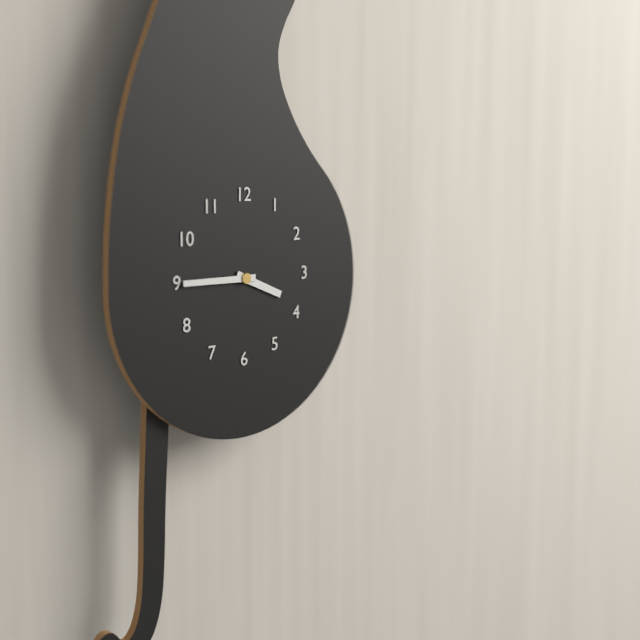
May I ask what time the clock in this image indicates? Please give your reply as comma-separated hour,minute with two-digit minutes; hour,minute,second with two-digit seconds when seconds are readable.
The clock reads 3,45
